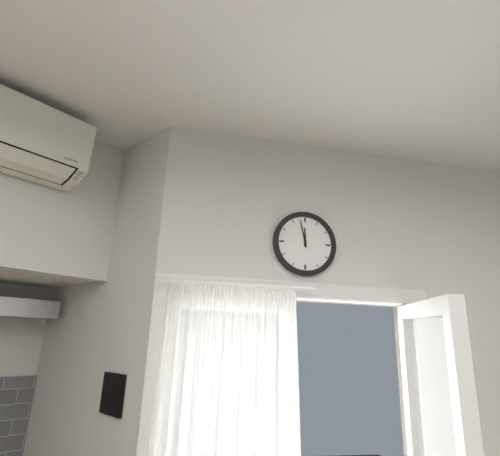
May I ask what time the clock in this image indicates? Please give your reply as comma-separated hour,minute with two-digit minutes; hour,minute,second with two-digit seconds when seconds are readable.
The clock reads 11,58
